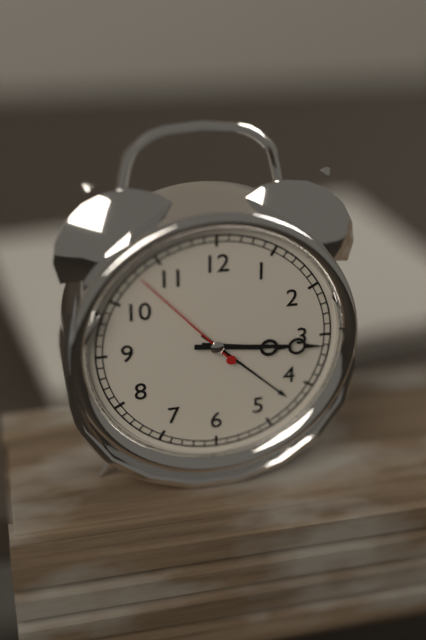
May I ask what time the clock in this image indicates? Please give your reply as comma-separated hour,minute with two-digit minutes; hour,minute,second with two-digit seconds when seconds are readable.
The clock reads 3,16,53
